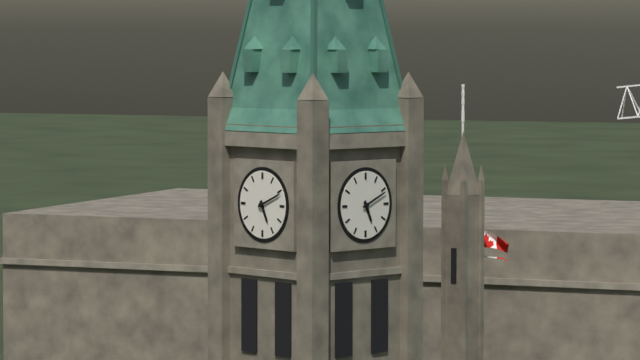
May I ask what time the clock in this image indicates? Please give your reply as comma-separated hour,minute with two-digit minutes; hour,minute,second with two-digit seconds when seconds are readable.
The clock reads 5,11
